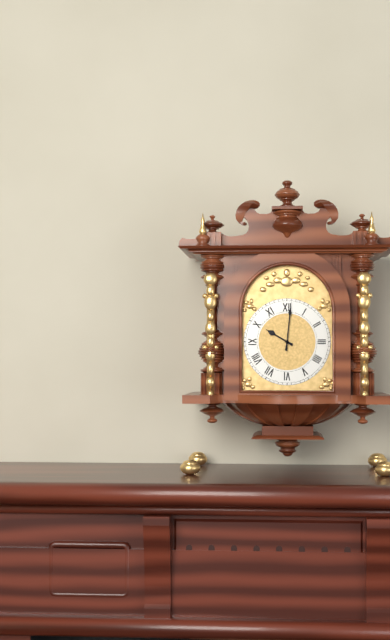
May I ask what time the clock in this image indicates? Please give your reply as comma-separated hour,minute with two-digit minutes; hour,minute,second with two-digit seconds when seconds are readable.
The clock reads 10,01
